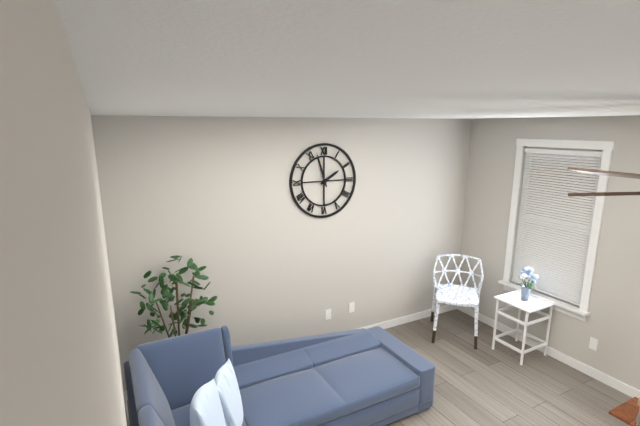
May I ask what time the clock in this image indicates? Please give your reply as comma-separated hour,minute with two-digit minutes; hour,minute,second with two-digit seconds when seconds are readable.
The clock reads 1,57
